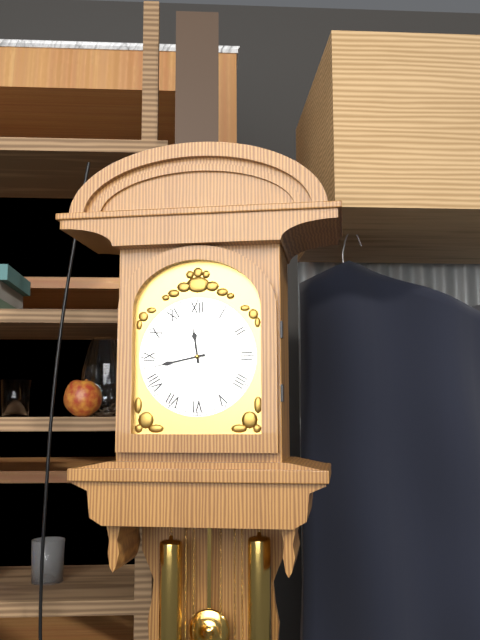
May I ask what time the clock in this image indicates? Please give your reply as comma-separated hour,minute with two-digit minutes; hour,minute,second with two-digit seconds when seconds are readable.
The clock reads 11,43
